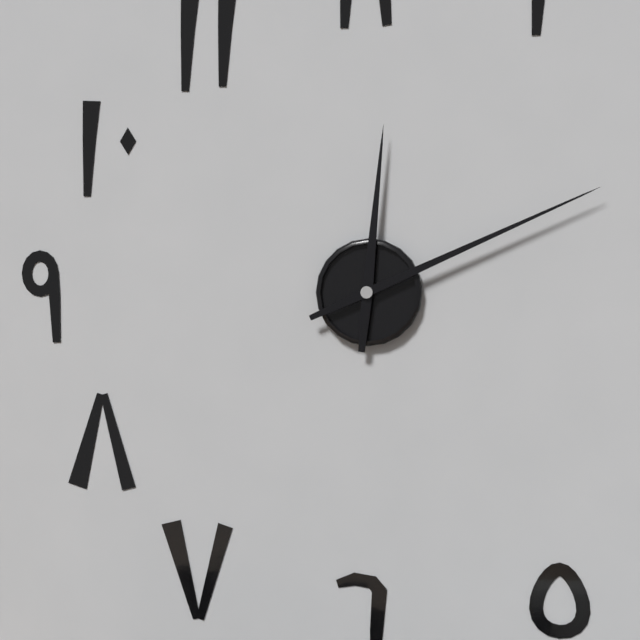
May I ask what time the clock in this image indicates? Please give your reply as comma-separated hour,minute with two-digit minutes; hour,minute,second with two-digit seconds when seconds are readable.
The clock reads 12,11
